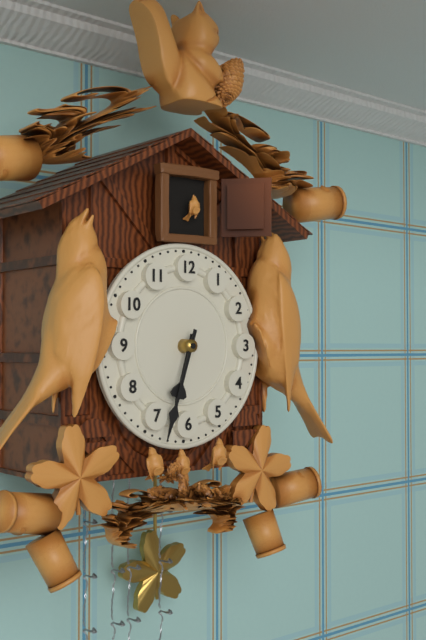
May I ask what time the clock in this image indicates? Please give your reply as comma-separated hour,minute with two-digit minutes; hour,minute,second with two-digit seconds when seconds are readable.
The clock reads 6,33
